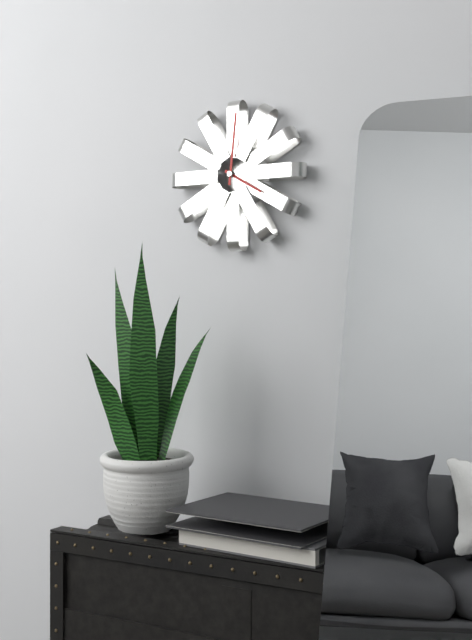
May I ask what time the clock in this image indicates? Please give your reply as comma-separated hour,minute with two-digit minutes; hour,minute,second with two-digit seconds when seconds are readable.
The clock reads 4,01
